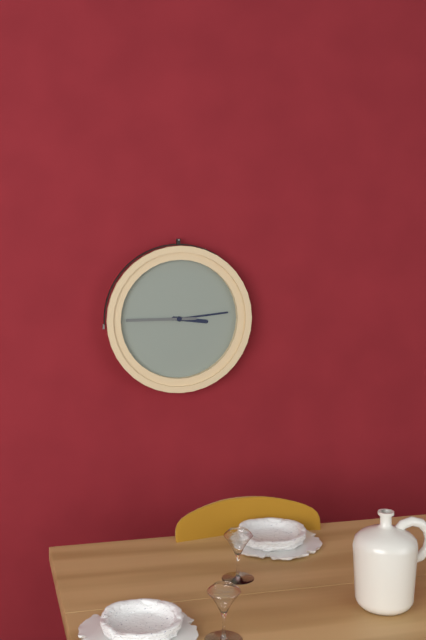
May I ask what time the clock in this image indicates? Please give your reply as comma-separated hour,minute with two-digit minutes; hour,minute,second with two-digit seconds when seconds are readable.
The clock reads 3,14,45
